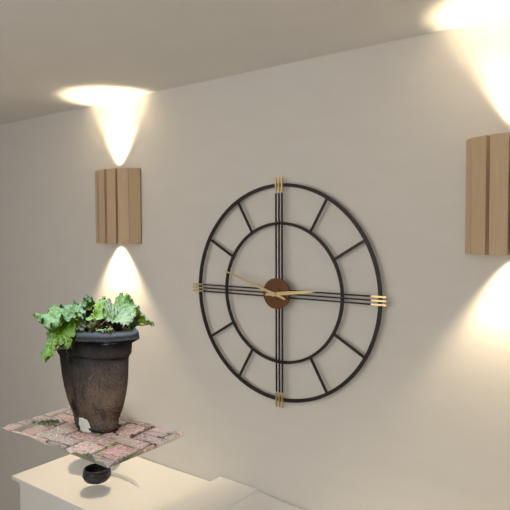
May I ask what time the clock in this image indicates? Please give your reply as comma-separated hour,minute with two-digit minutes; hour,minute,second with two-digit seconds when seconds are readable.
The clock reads 2,48
